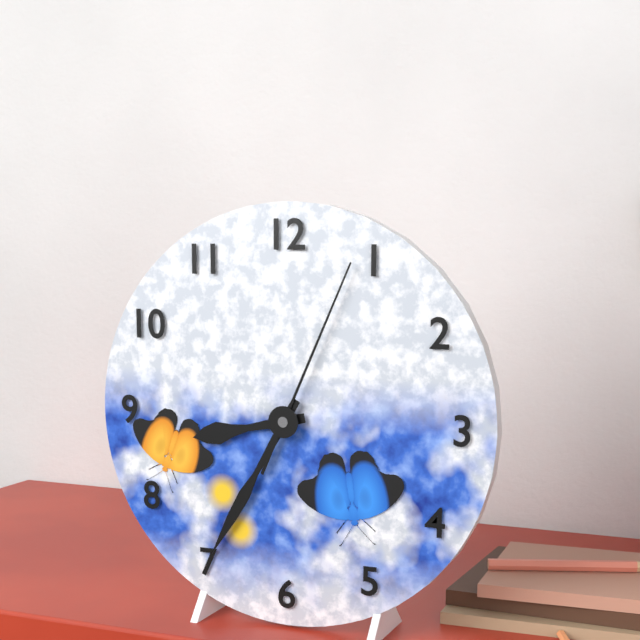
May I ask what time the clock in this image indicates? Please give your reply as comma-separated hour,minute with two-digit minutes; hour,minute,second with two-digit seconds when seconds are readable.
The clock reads 8,35,04
